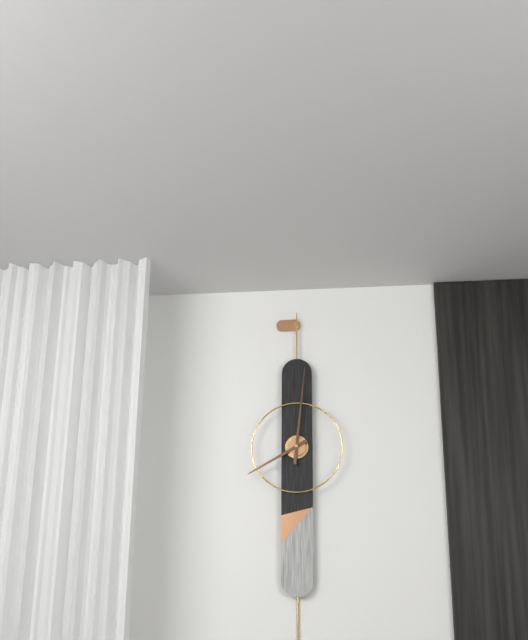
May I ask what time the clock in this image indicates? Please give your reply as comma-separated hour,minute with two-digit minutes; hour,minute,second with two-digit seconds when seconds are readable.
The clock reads 8,01
